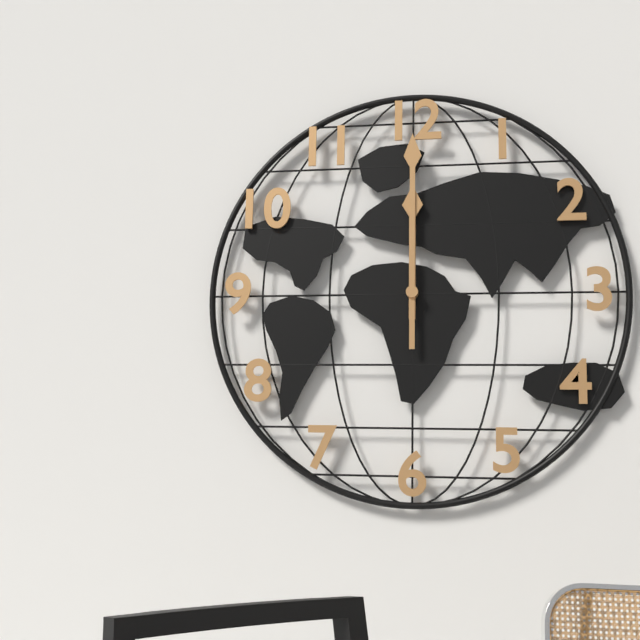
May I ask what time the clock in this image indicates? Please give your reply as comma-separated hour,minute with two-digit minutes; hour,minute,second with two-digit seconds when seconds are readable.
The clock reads 12,00
